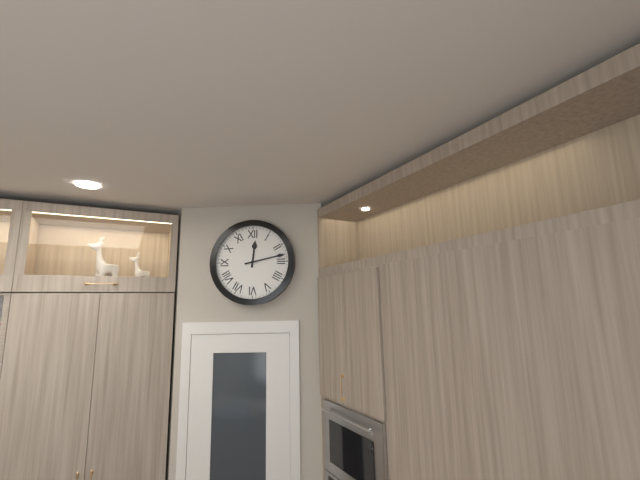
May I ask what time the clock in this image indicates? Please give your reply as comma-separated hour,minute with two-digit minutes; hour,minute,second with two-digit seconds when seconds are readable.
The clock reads 12,13
